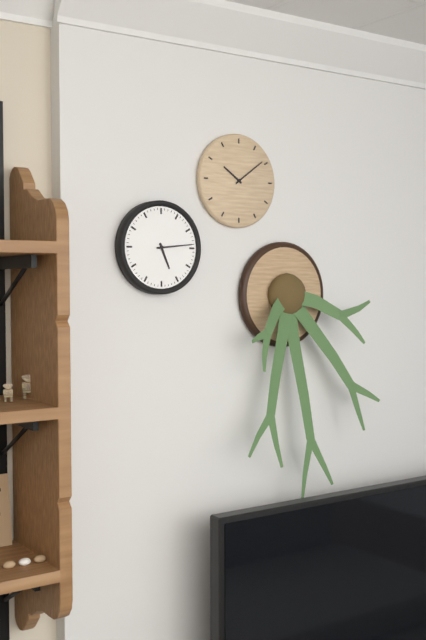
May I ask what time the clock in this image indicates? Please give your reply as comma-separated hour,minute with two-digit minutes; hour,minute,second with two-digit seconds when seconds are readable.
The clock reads 5,14
